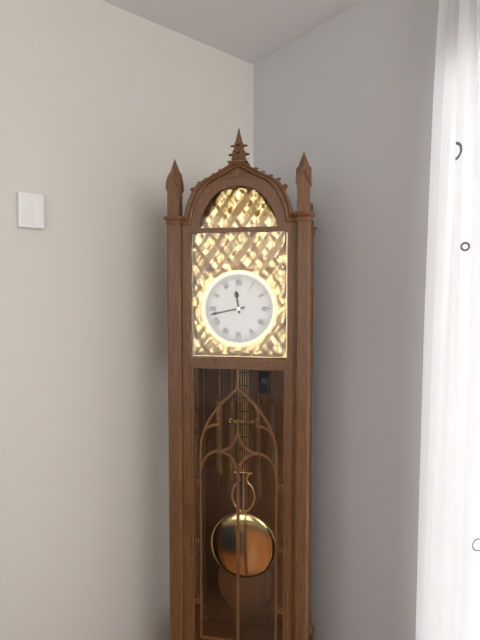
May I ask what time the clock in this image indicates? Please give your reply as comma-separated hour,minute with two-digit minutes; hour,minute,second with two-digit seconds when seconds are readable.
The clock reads 11,43
